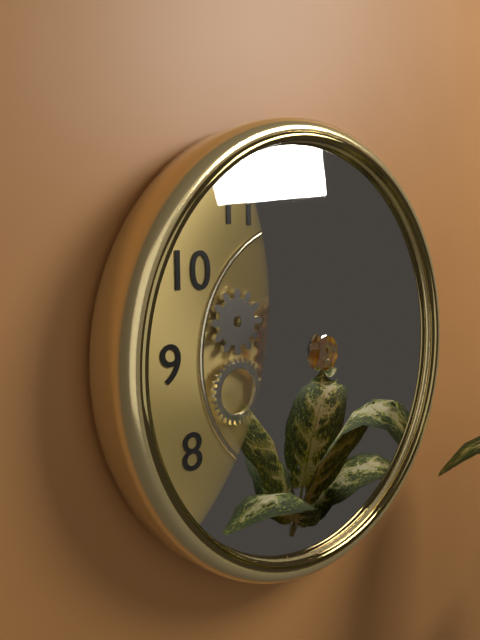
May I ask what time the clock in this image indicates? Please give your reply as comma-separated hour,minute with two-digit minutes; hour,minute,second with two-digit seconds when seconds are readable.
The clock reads 6,06
